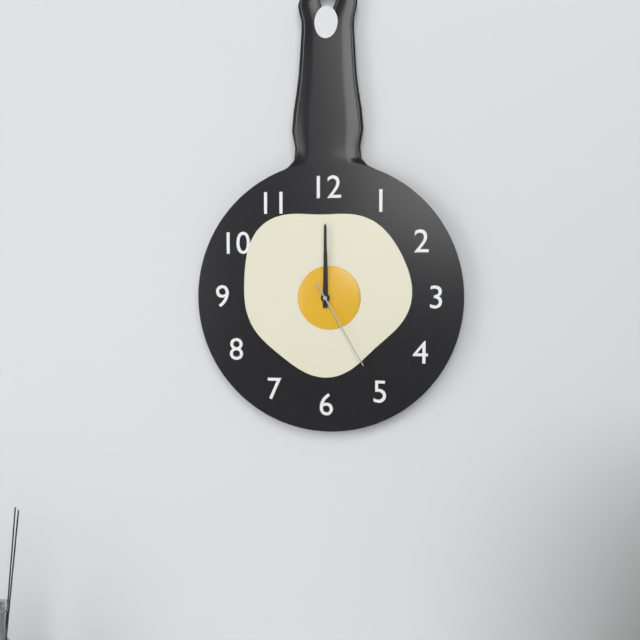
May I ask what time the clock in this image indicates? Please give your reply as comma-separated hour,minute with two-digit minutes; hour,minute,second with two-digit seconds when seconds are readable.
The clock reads 12,00,25
